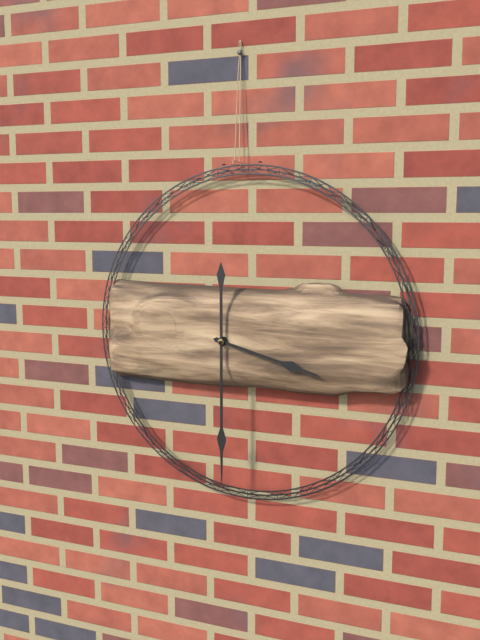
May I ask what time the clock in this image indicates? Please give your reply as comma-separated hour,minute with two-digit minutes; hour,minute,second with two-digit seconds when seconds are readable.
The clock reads 3,30
